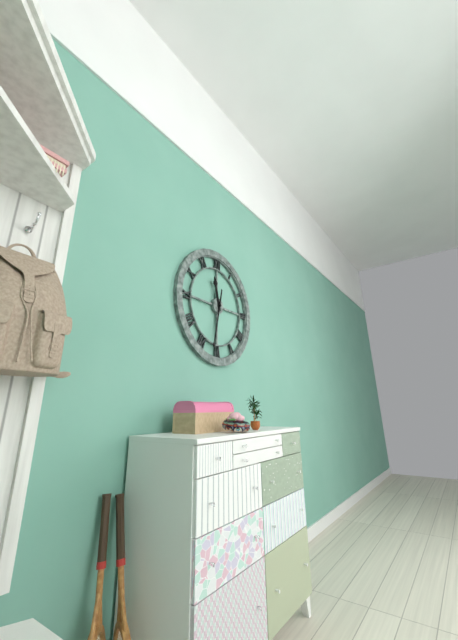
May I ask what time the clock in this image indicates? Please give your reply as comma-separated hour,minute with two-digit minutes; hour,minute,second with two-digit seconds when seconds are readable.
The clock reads 11,32
